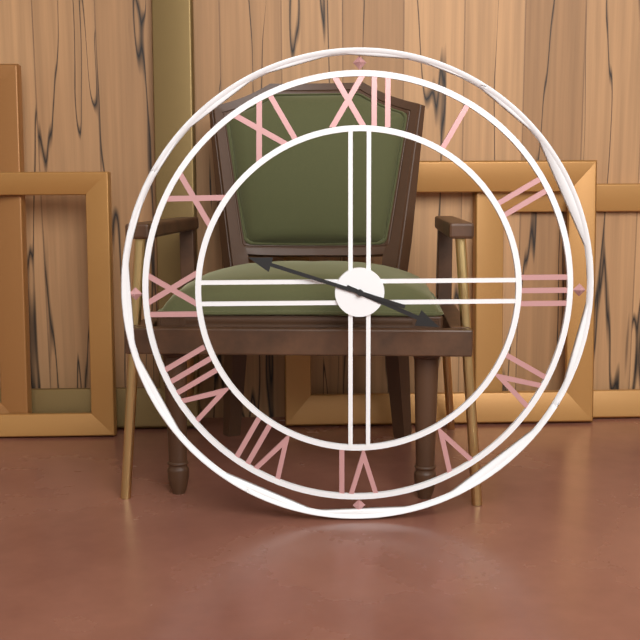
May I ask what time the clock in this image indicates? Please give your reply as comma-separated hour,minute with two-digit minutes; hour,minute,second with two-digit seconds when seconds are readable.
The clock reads 3,48
